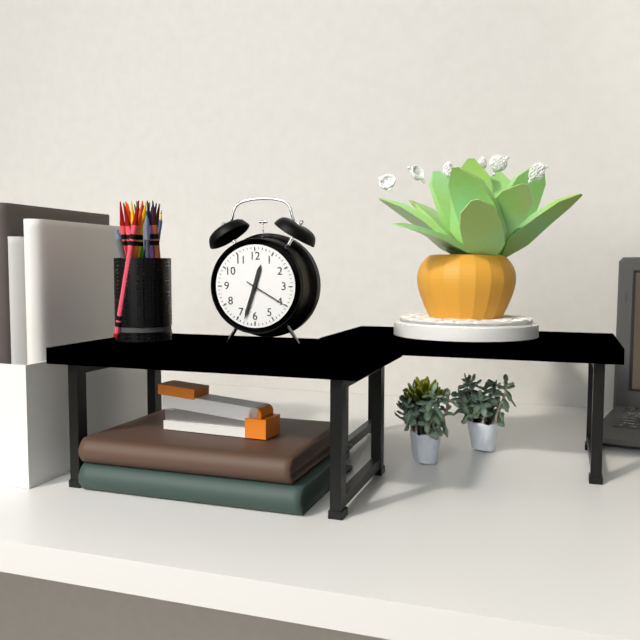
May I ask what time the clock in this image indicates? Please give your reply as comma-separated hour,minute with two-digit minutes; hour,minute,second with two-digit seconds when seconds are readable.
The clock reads 12,33
